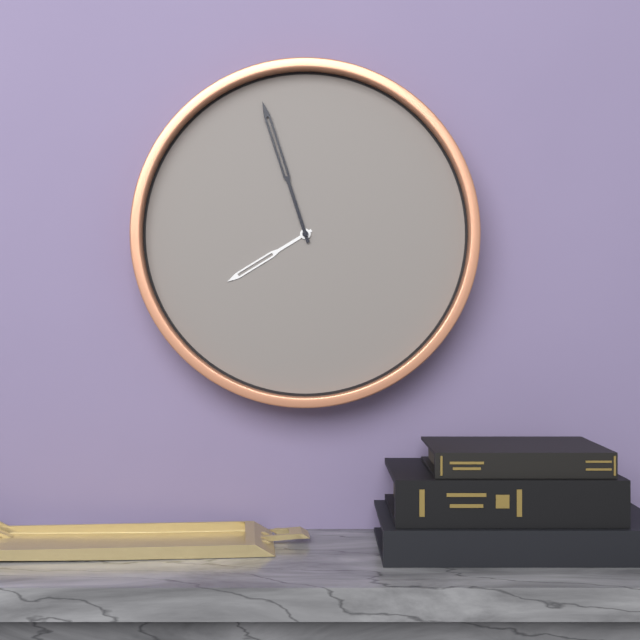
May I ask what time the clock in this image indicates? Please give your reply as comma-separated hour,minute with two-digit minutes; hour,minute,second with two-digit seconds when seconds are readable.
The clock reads 7,57
